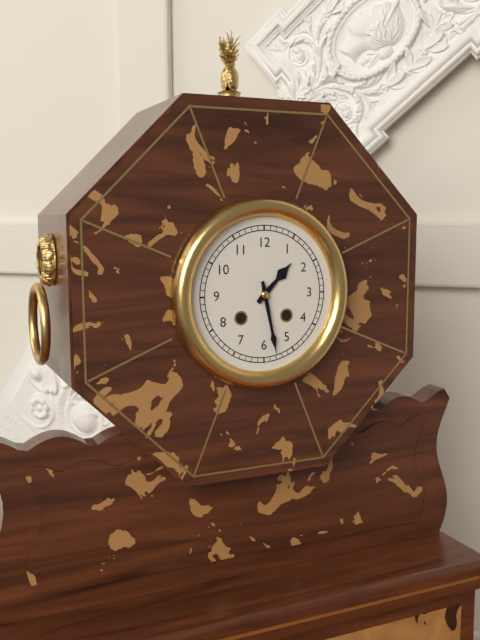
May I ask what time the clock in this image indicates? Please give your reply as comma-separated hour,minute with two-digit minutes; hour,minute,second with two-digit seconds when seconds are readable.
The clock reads 1,28
